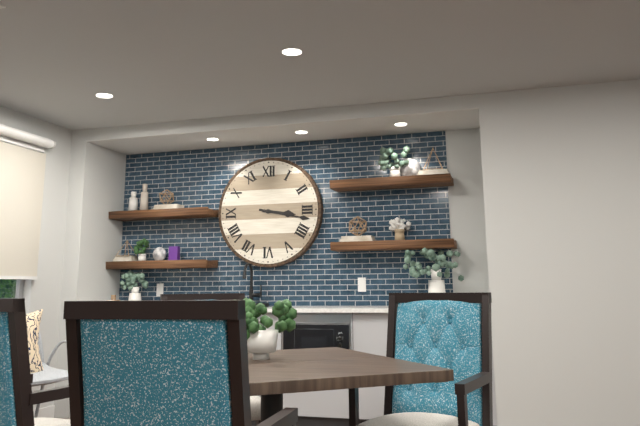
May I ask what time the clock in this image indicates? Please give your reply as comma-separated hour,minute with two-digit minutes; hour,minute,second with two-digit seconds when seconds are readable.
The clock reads 3,17
